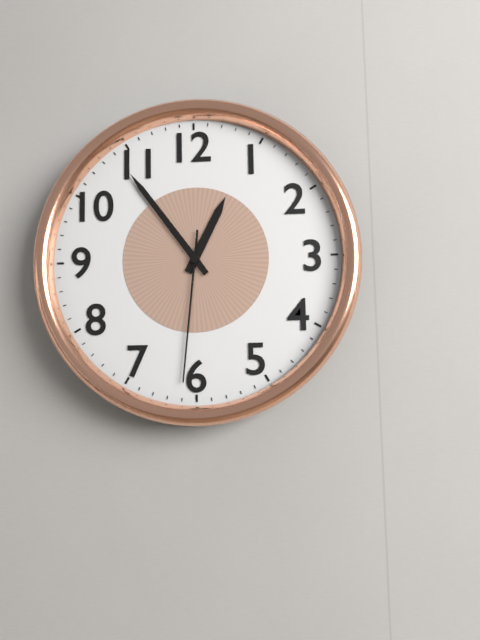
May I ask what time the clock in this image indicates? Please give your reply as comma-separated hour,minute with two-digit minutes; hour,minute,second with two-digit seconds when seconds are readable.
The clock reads 12,54,31
